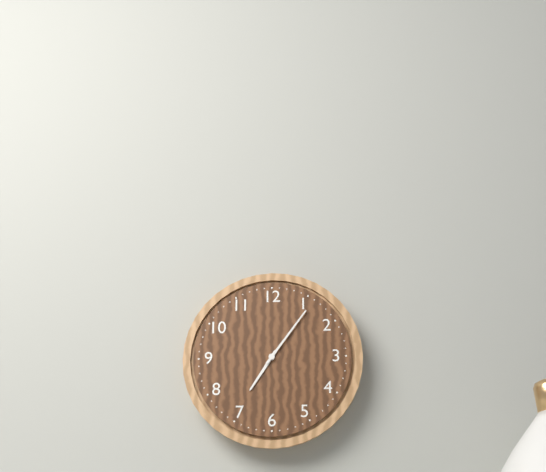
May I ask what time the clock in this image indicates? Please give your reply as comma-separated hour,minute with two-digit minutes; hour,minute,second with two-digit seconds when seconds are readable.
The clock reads 7,06
